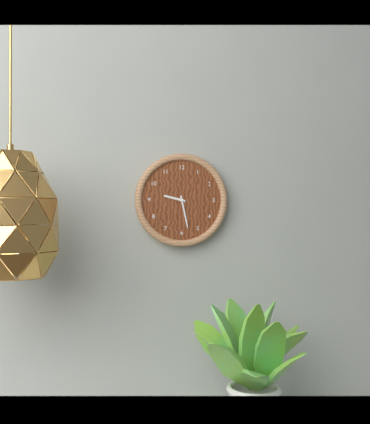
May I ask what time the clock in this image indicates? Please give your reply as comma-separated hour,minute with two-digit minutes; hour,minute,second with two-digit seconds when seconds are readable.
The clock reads 9,28
